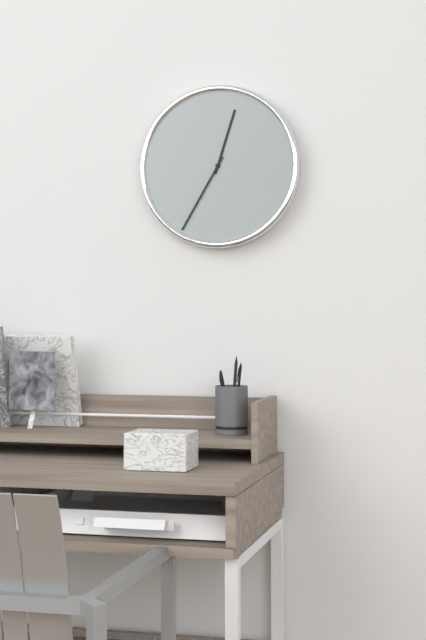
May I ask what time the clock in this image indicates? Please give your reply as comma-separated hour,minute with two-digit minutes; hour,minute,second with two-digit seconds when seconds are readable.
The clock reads 12,35
